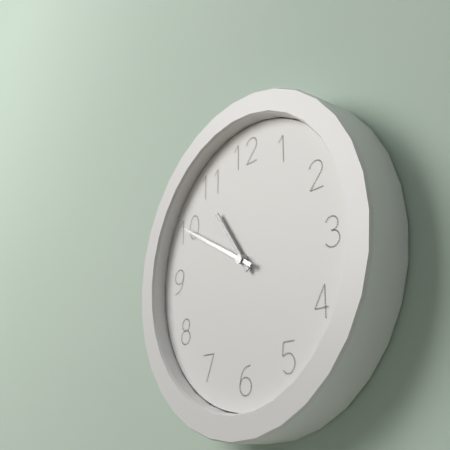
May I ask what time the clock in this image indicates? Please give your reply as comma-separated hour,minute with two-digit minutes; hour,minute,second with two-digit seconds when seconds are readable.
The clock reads 10,50
